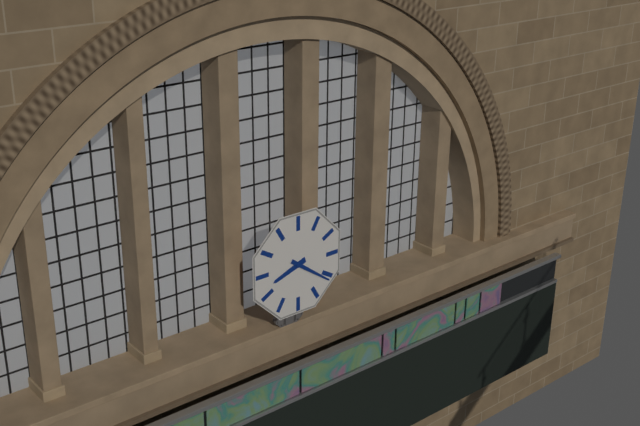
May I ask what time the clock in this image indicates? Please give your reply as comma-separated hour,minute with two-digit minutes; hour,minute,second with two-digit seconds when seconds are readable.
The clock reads 8,21
